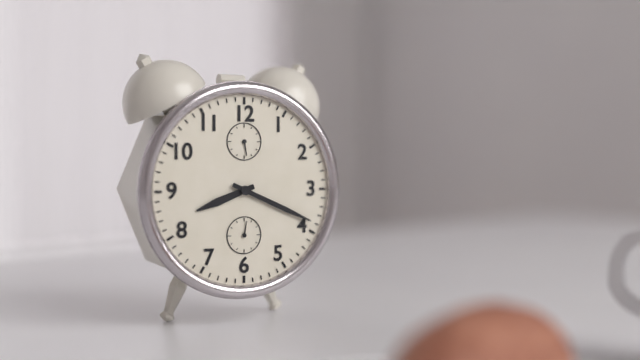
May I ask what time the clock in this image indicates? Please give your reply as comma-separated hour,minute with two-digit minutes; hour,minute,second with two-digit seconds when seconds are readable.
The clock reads 8,19
